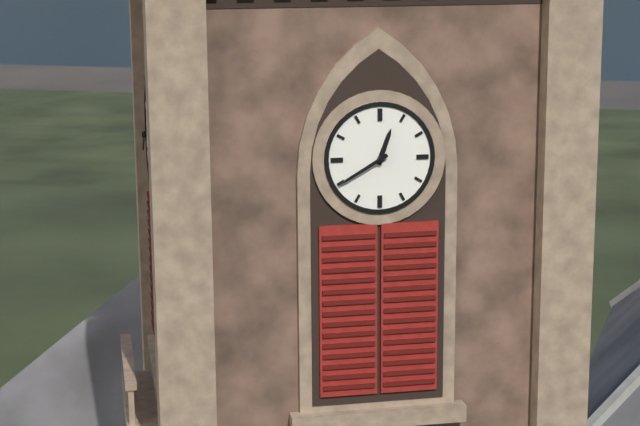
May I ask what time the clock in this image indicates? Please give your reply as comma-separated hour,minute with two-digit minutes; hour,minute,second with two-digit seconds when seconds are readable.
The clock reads 12,40
